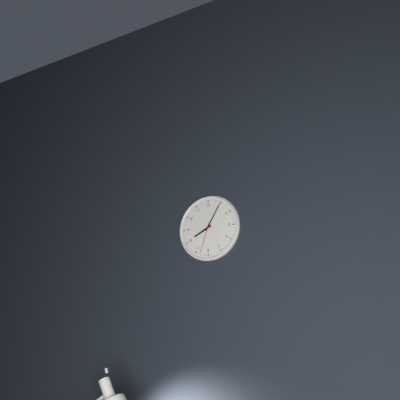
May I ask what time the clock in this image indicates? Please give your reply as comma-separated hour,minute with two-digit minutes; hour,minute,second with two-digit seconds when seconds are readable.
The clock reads 8,05
